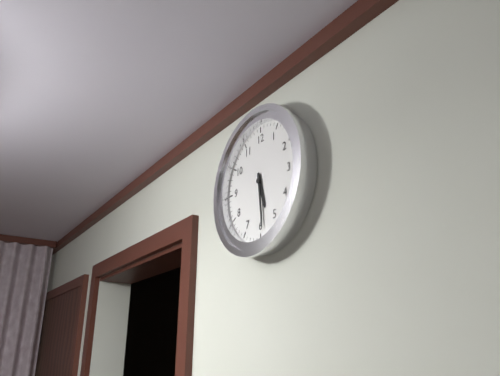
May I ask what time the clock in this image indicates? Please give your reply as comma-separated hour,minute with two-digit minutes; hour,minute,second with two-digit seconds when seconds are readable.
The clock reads 5,29
